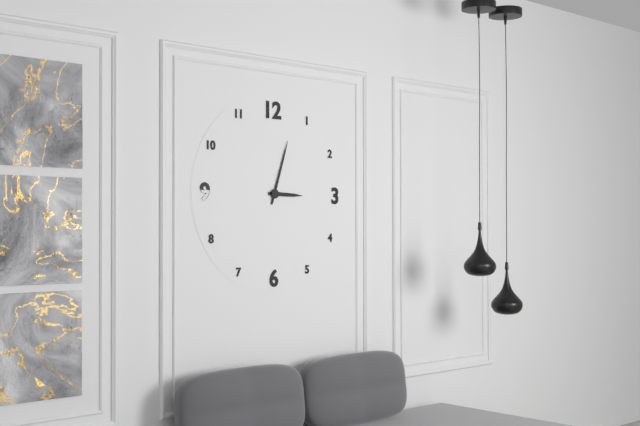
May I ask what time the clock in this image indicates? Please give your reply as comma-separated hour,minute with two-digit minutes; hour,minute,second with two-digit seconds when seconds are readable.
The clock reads 3,03
